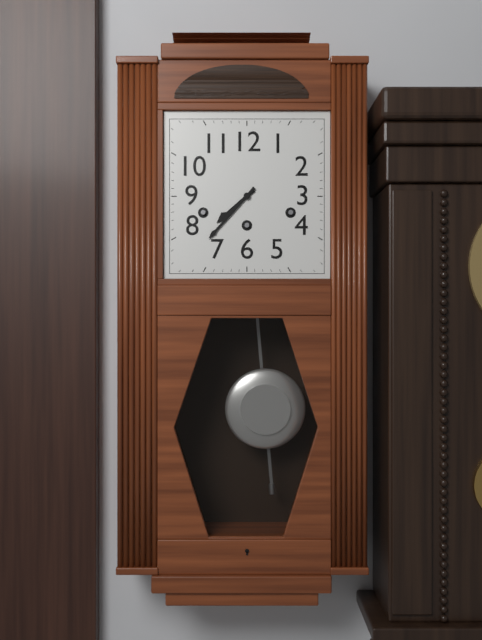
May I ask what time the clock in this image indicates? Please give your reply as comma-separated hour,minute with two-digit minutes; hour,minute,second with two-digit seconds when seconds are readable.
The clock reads 7,37
